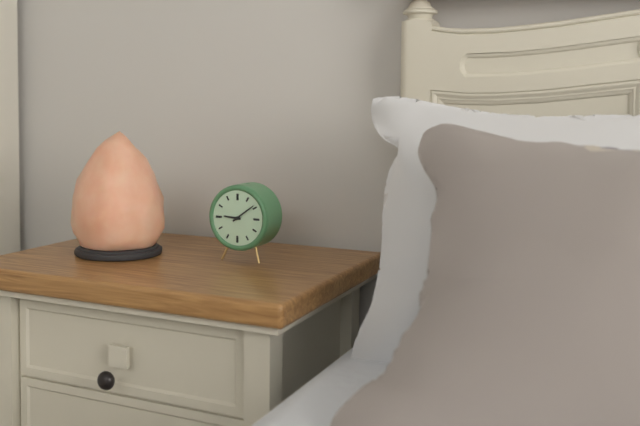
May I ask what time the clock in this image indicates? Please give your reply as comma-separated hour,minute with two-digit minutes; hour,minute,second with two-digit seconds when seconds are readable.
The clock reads 9,09
